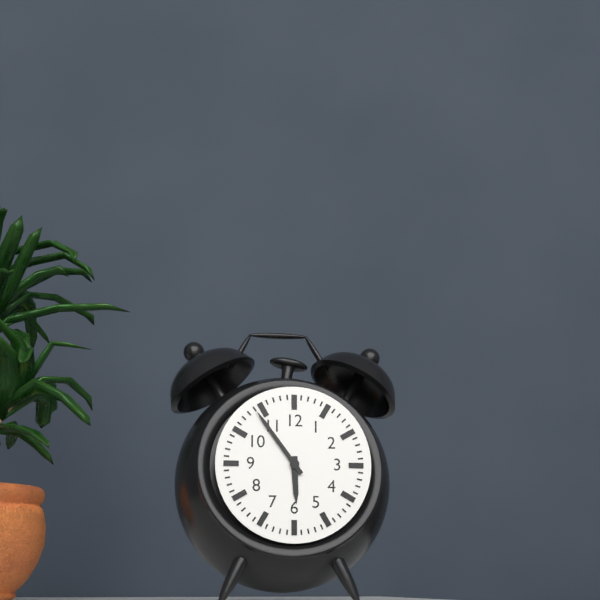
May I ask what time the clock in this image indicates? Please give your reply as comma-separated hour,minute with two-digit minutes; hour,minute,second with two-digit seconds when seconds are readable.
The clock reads 5,54
